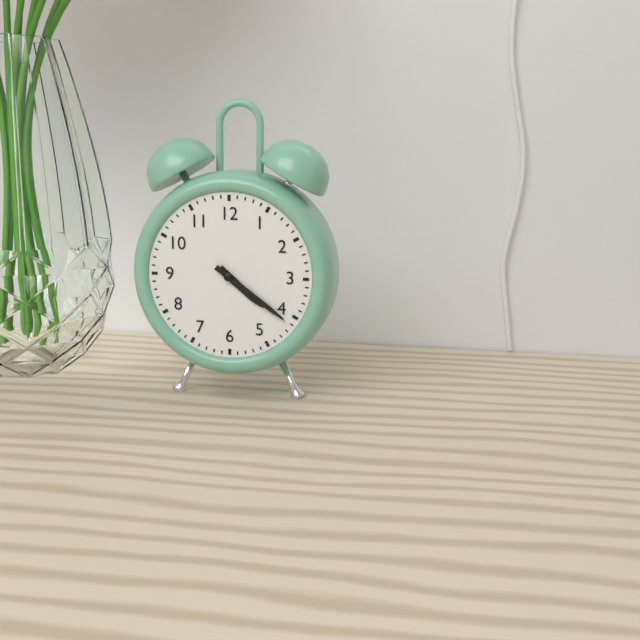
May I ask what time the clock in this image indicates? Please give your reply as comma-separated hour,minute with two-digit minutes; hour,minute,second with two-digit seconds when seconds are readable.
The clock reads 4,21
